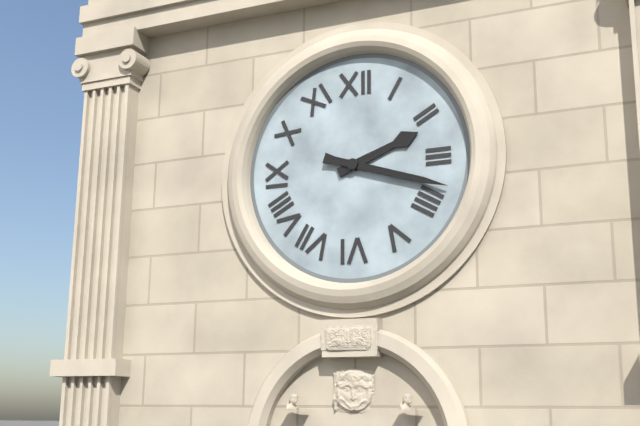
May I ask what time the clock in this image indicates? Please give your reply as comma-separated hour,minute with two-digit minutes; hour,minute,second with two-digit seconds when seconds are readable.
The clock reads 2,18
